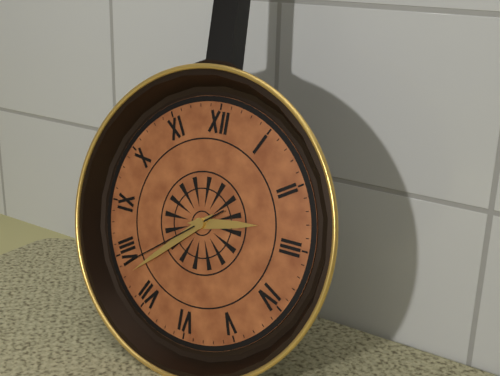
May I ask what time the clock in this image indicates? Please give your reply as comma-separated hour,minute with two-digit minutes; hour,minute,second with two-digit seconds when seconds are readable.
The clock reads 2,38,39
